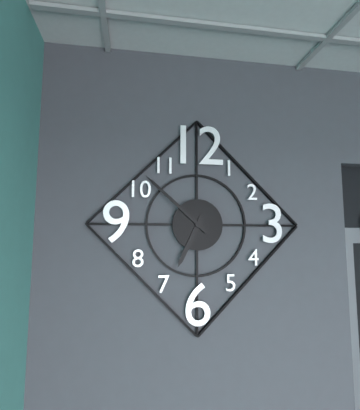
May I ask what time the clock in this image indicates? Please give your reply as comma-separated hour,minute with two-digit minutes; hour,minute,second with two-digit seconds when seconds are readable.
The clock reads 6,52
